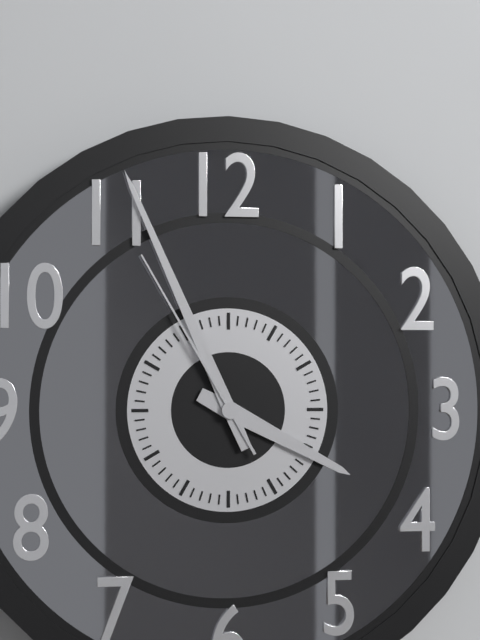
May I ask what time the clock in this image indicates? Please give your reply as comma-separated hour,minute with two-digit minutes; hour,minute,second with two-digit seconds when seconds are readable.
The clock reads 3,56,55
